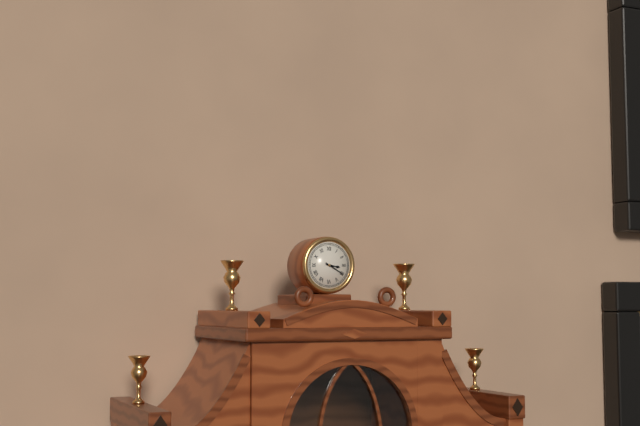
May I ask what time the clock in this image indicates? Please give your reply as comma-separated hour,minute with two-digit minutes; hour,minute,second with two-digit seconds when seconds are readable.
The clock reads 3,20
